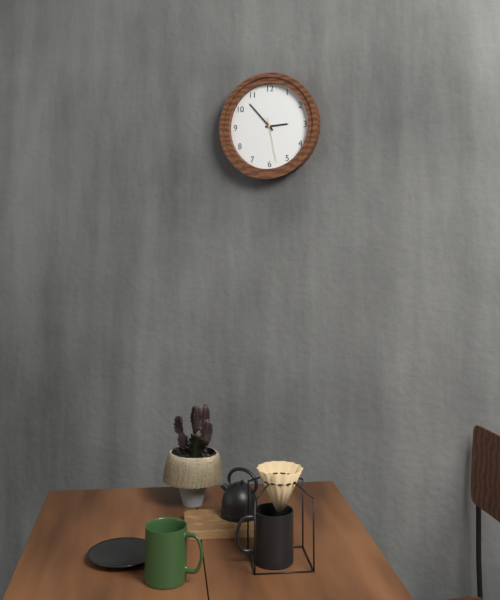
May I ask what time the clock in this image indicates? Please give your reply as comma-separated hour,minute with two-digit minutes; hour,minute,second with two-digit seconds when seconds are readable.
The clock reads 2,53
